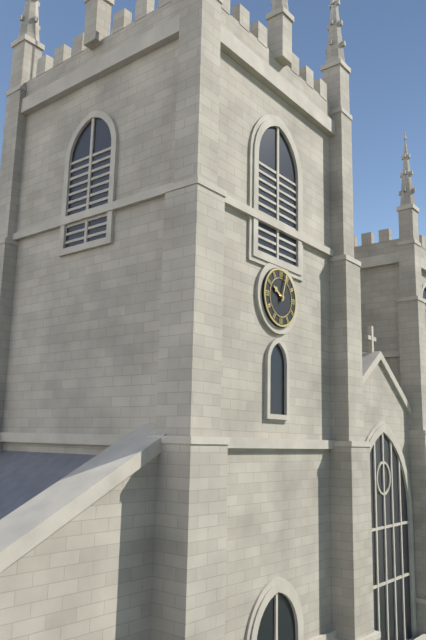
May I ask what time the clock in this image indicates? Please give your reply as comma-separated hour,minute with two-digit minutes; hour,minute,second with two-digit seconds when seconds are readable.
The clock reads 10,03
